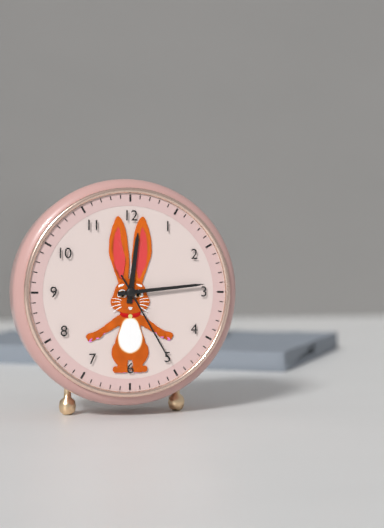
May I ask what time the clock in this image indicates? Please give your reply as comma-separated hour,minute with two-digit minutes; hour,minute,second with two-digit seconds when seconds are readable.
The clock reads 12,14,25
